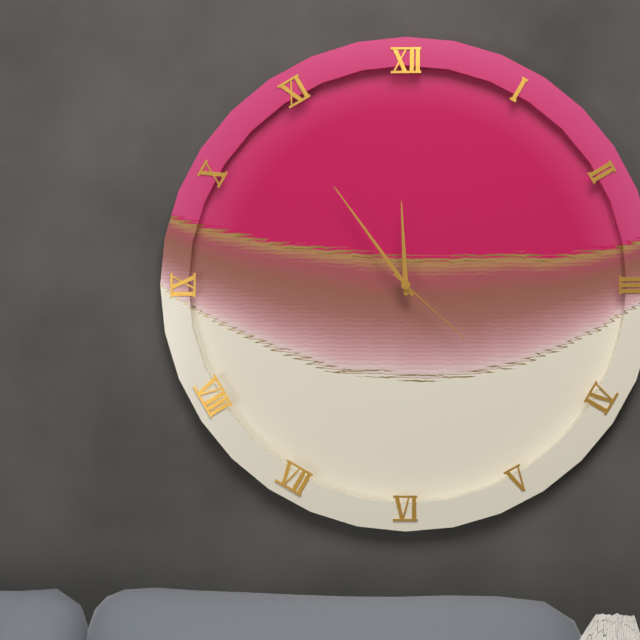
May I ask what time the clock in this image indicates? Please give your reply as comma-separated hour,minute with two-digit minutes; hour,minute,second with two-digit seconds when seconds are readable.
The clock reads 11,54,22
